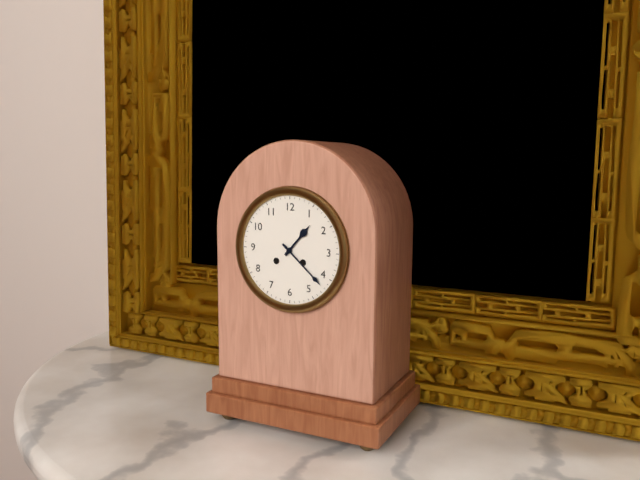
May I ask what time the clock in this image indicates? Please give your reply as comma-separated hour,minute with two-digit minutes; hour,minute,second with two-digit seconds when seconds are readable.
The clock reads 1,22
